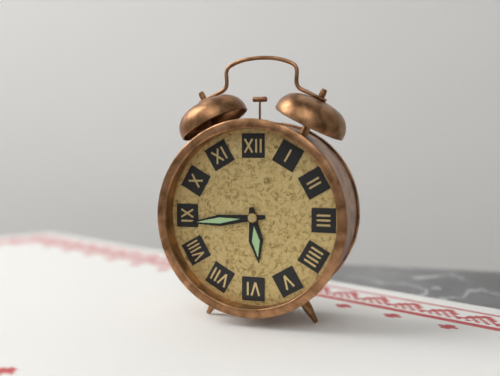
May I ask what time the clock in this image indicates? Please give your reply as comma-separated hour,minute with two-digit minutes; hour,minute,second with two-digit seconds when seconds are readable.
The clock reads 5,44
